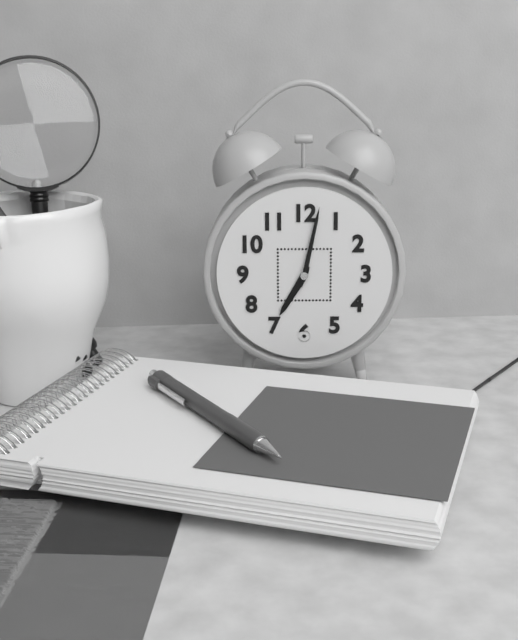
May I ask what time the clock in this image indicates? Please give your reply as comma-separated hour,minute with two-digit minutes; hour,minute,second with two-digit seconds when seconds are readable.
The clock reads 7,02
